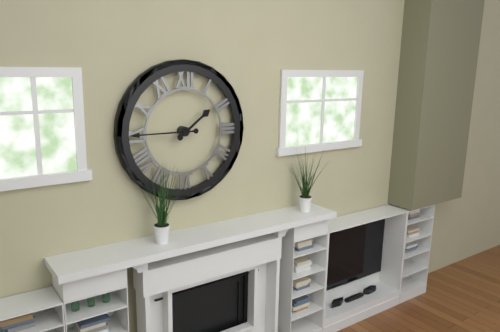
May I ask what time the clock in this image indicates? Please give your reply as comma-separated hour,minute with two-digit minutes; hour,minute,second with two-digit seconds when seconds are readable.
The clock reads 1,45
